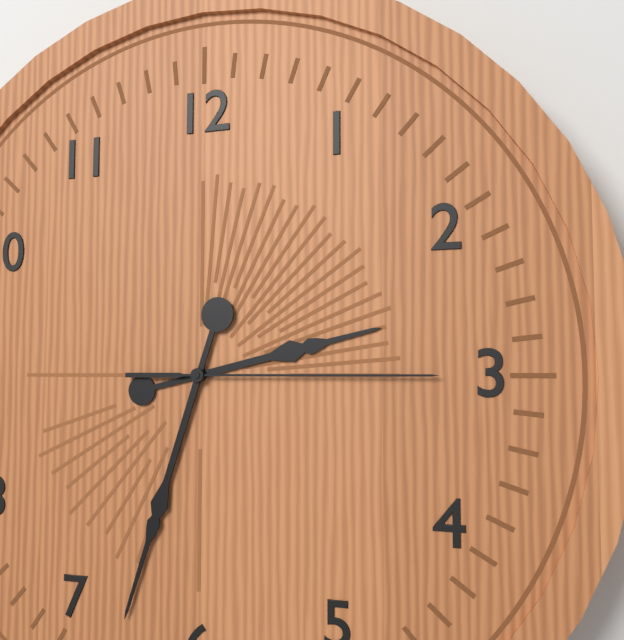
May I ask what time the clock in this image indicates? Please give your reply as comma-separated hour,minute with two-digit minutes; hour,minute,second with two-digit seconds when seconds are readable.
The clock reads 2,33,15
